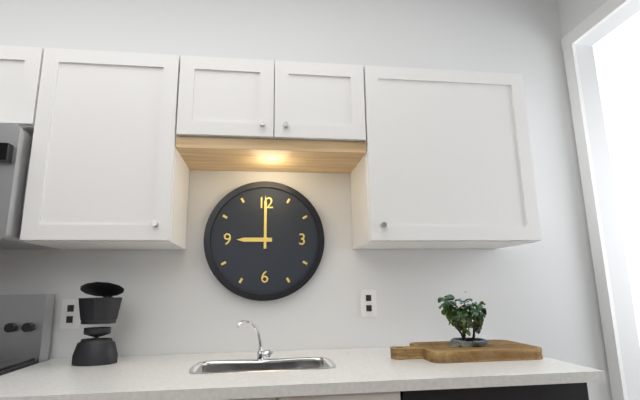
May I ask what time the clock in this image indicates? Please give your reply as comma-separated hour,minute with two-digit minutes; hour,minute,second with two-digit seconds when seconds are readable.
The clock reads 9,00
